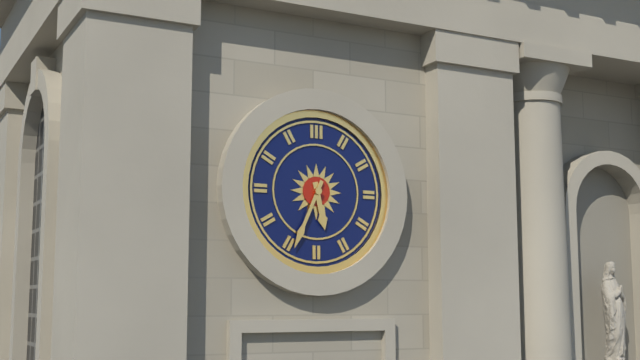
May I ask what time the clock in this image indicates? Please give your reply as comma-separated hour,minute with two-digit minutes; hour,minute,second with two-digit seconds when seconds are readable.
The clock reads 5,34
